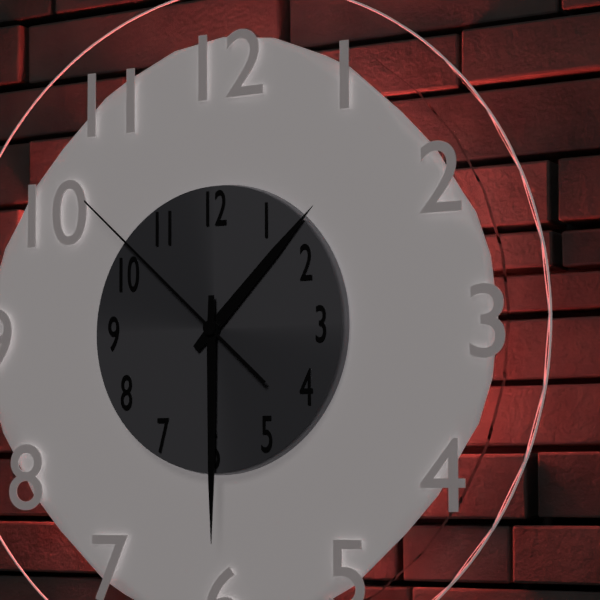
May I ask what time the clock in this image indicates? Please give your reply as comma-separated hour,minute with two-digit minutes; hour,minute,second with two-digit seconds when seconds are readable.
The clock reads 1,30,52
